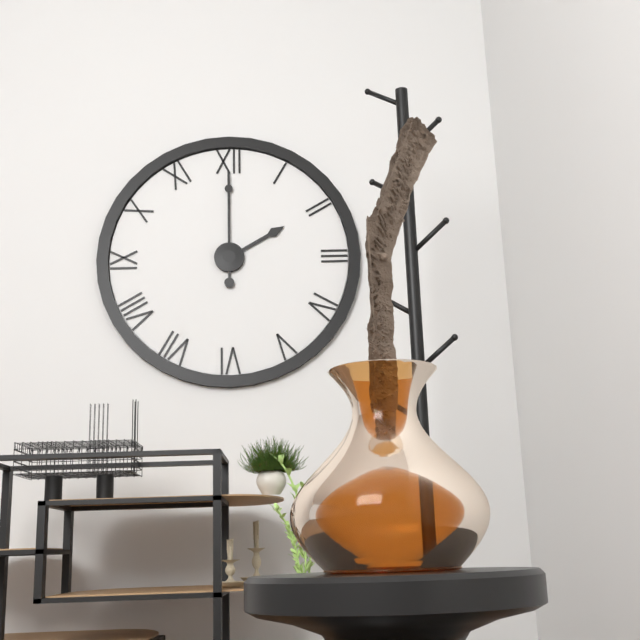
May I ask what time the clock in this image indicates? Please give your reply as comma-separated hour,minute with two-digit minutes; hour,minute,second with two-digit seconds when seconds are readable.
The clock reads 2,00
